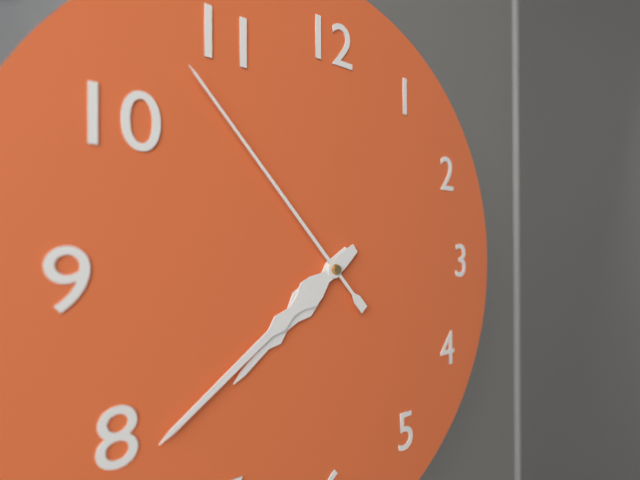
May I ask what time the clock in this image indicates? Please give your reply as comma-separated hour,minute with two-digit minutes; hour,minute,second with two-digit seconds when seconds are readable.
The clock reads 7,39,53
